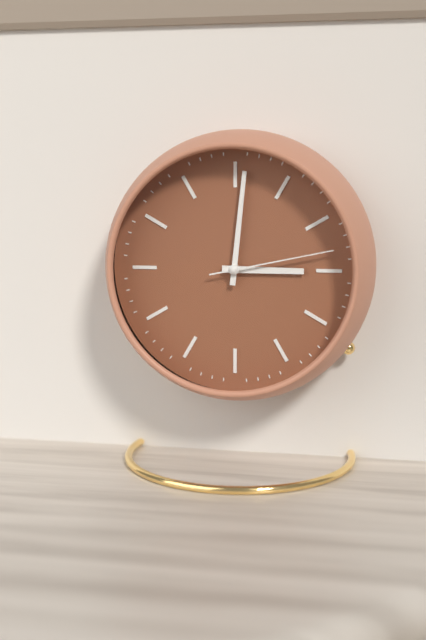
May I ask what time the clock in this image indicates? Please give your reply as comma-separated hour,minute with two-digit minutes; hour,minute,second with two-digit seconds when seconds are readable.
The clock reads 3,01,13
